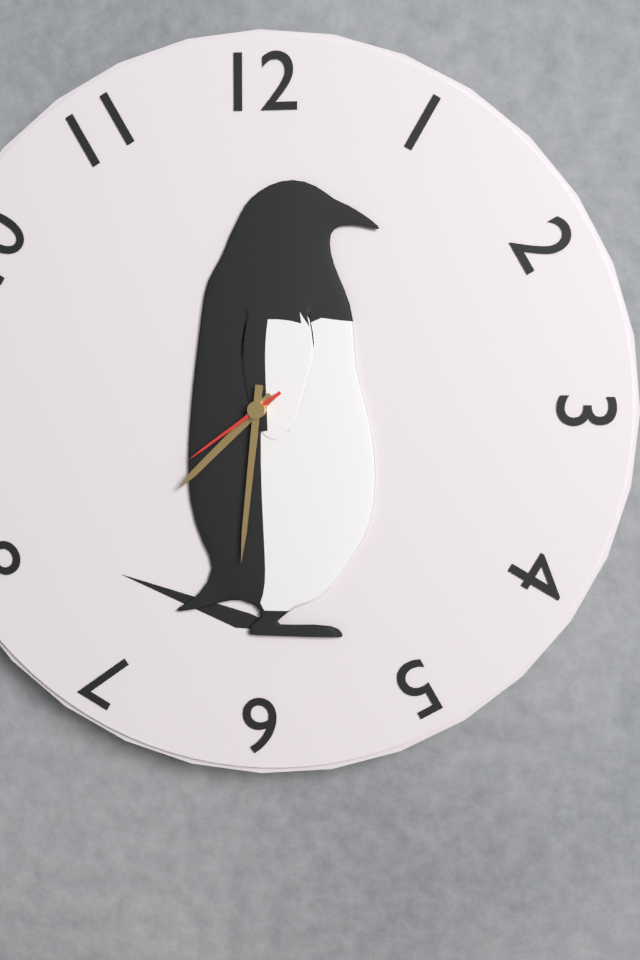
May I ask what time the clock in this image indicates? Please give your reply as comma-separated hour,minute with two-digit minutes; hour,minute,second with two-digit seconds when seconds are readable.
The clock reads 7,31,39
